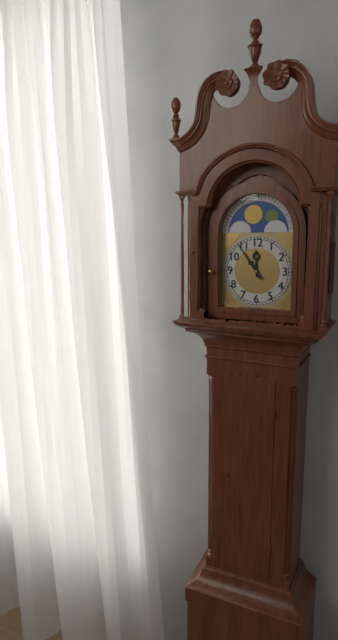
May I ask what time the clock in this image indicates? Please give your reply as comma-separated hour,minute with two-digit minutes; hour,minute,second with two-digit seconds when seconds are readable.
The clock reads 11,54
